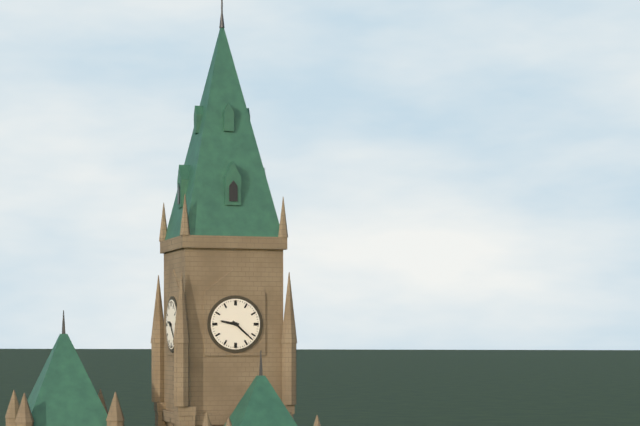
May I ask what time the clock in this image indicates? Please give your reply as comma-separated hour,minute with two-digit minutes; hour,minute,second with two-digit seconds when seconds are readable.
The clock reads 9,22
